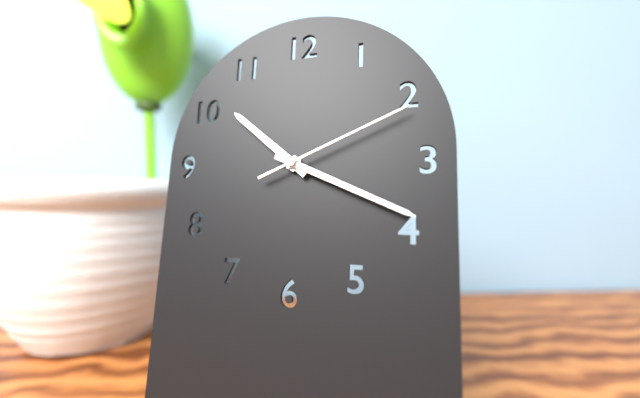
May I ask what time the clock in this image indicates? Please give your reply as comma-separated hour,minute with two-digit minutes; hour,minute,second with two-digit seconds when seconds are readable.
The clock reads 10,19,11
